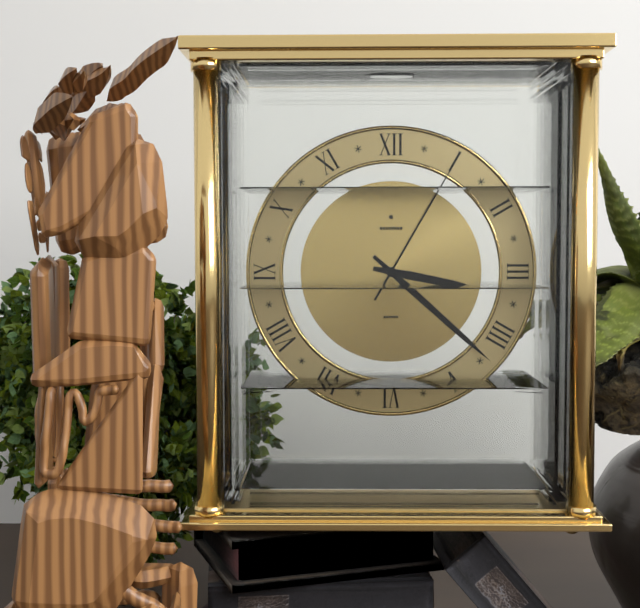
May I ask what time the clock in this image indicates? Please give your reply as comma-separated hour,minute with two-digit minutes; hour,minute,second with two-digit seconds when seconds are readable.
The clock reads 3,22,05
